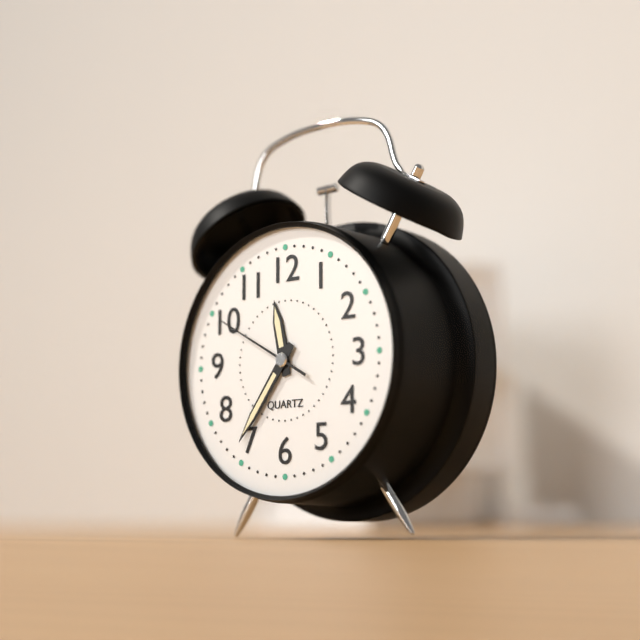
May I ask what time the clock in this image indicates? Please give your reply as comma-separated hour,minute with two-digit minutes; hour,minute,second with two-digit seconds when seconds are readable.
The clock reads 11,36,50
